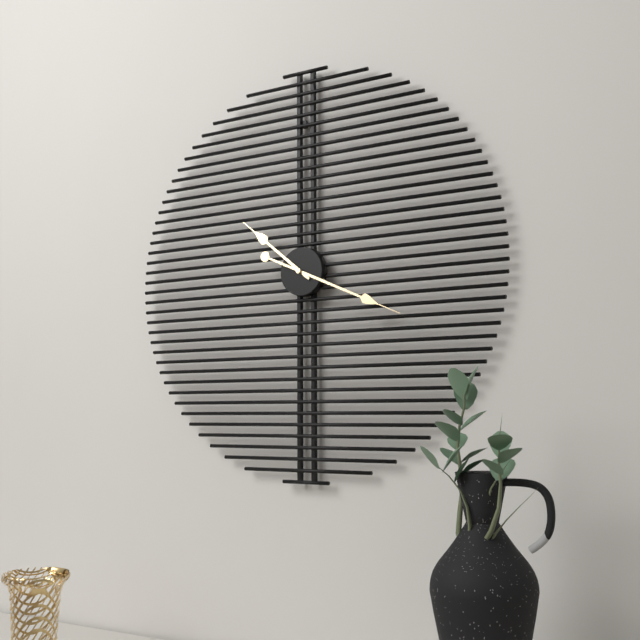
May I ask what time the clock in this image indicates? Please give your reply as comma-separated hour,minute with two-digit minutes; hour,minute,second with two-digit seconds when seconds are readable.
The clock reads 10,19
